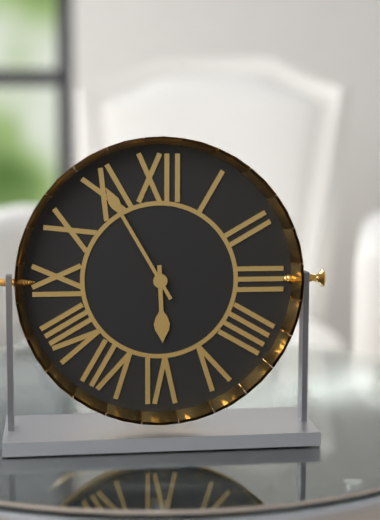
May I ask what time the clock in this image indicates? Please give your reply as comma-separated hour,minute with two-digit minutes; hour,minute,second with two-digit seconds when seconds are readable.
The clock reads 5,55
